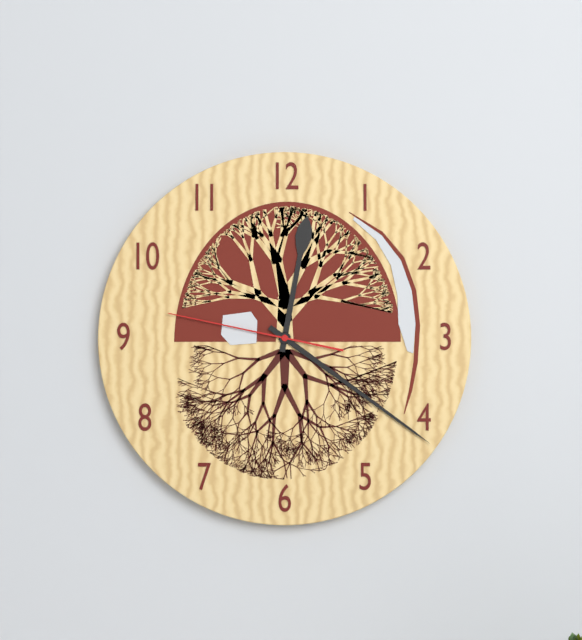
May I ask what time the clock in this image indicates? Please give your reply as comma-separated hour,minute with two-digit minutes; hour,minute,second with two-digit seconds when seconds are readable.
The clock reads 12,21,47
